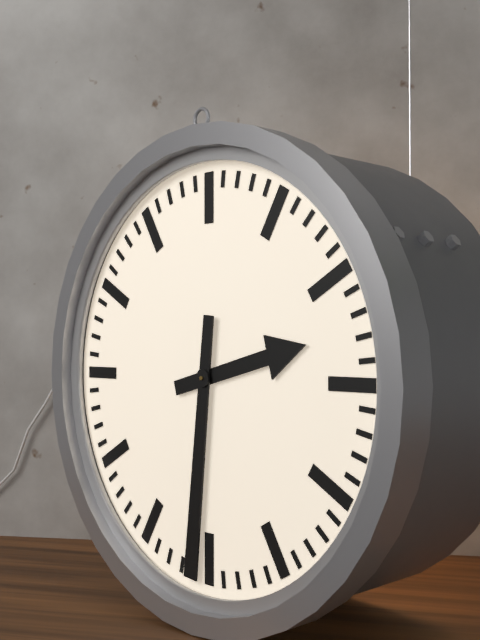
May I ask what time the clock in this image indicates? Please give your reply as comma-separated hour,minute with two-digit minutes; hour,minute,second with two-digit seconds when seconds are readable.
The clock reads 2,31
